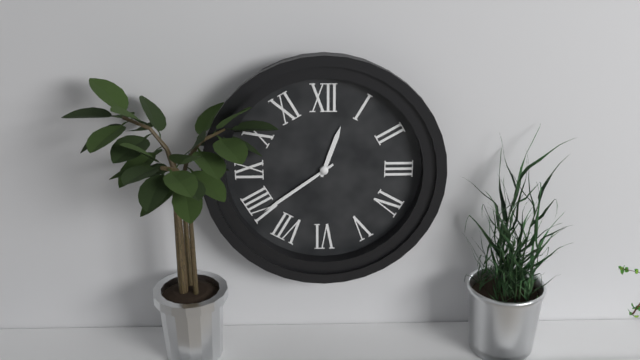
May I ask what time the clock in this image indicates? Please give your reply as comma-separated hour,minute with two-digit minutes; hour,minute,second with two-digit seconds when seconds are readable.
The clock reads 12,39
